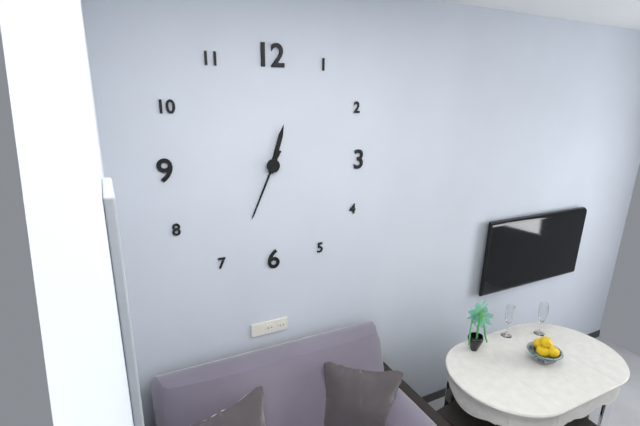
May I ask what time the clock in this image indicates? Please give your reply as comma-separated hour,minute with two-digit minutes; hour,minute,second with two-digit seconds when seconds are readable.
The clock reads 12,34
